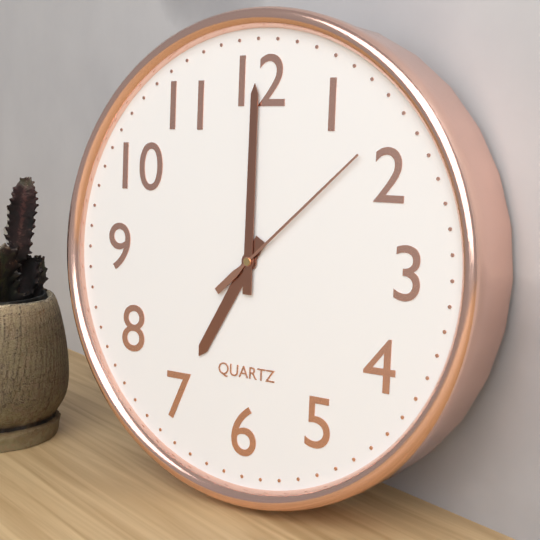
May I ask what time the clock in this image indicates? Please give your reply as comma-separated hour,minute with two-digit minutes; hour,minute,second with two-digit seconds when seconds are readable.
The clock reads 7,00,08
